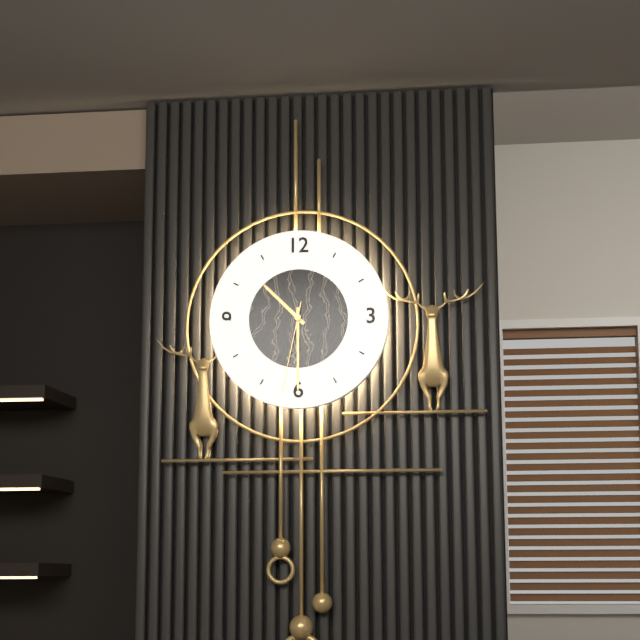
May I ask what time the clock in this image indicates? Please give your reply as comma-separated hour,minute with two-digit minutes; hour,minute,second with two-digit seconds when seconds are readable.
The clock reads 10,30,32
